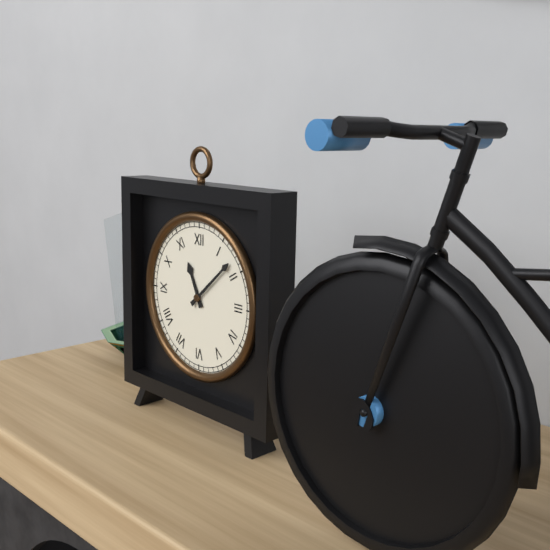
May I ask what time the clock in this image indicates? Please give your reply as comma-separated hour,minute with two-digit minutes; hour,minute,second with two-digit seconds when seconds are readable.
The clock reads 11,08
